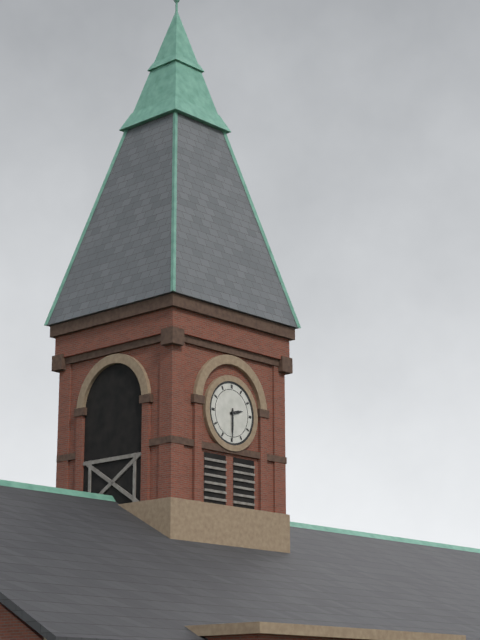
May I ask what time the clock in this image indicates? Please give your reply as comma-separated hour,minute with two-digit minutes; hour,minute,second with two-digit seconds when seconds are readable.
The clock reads 2,30
